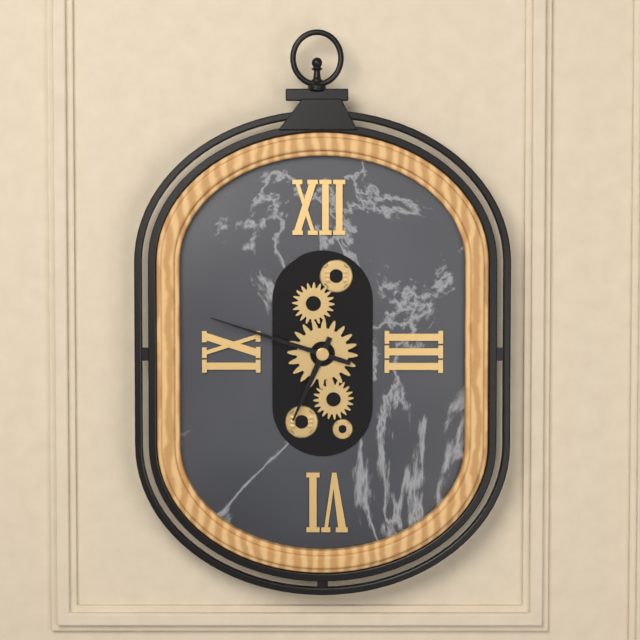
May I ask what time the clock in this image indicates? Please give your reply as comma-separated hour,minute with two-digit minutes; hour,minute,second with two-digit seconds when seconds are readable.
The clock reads 6,48
